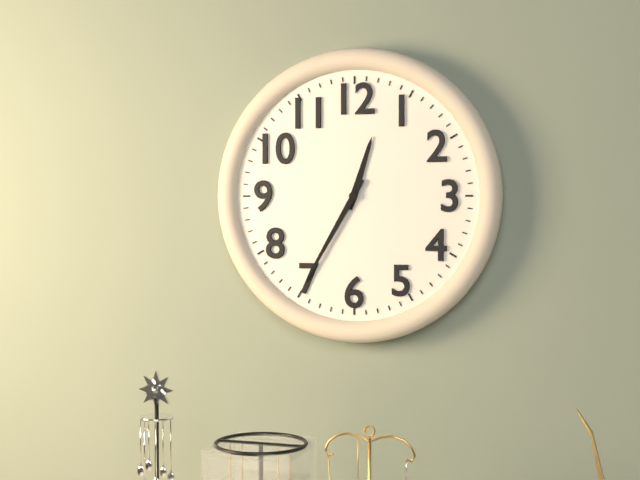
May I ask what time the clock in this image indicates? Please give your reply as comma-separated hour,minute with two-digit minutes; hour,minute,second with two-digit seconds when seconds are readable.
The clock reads 12,35
